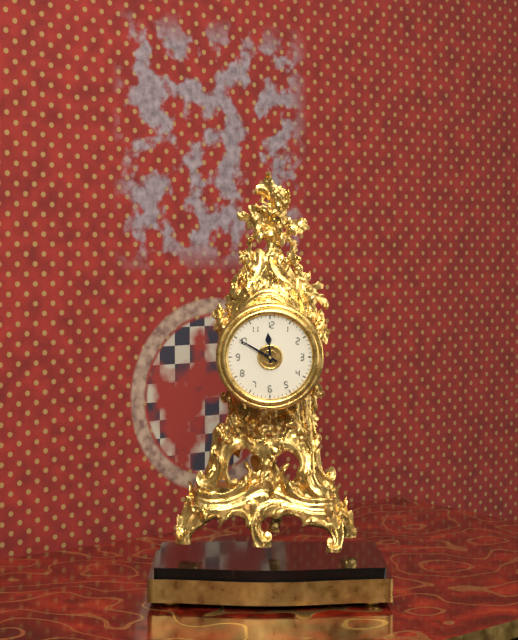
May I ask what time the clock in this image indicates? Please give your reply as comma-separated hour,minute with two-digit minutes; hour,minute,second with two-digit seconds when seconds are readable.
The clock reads 11,50
